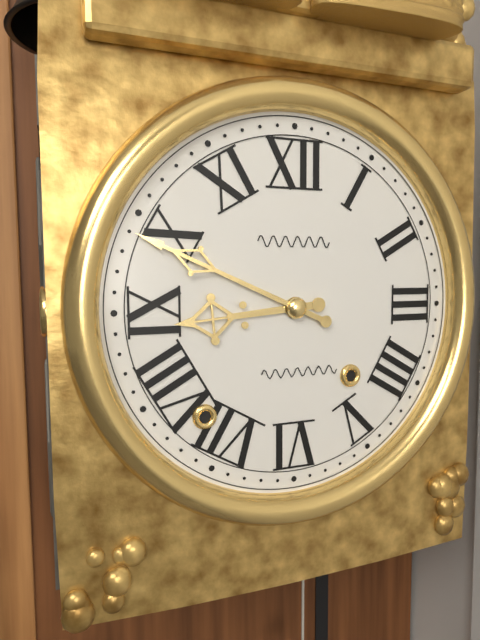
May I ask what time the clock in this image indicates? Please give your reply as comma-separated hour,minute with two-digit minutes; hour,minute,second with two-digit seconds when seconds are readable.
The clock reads 8,49
